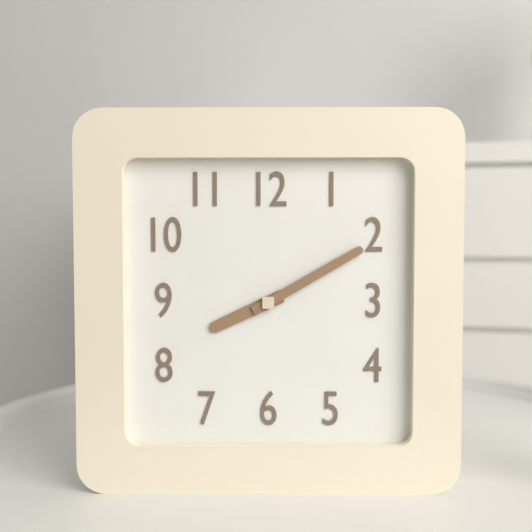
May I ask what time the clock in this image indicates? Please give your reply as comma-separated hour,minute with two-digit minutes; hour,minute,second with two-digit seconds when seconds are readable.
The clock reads 8,10
